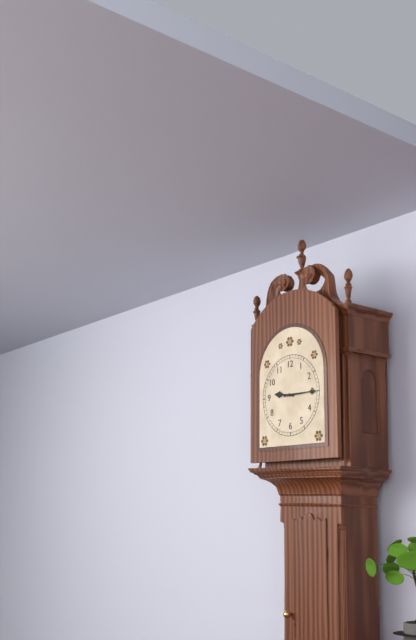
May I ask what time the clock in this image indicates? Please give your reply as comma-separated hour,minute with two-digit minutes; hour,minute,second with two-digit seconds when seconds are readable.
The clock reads 9,15
